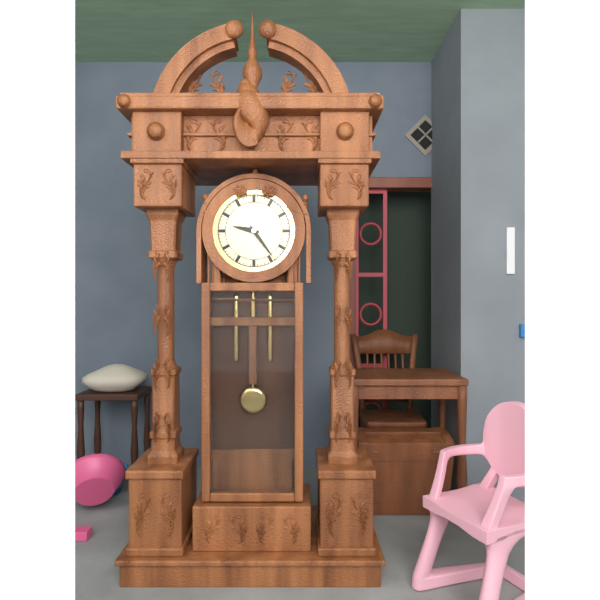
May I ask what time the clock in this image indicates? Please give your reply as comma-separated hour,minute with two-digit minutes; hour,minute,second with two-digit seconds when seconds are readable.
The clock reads 9,24
